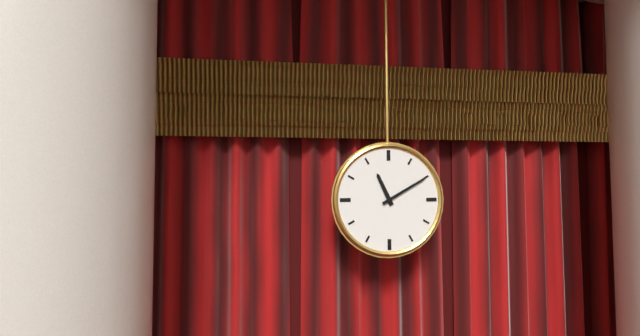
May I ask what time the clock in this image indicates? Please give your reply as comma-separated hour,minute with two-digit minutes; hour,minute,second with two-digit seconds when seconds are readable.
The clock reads 11,10
